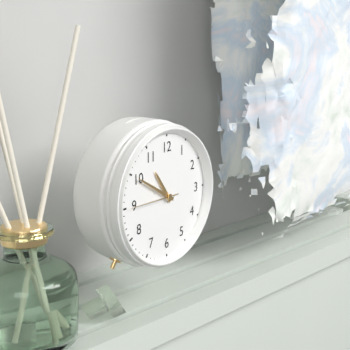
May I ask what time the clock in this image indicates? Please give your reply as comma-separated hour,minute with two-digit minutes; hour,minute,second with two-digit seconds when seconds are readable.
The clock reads 10,50
